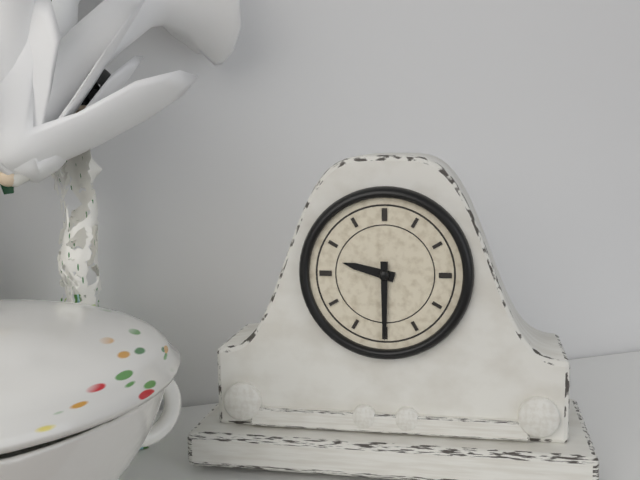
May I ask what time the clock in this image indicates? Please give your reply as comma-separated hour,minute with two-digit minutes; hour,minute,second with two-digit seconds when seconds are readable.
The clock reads 9,30
